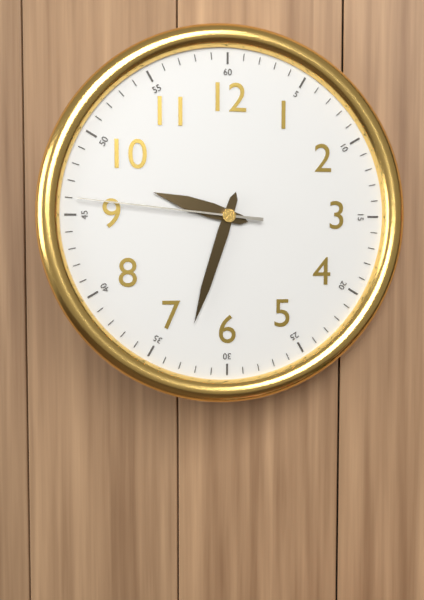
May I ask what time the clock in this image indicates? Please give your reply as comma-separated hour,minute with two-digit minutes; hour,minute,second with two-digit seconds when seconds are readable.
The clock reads 9,33,46
